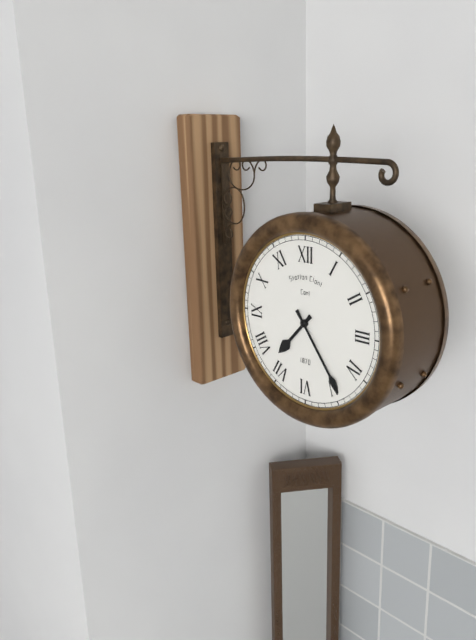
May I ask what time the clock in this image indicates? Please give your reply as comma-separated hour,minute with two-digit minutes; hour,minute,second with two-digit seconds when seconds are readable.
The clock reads 7,24
